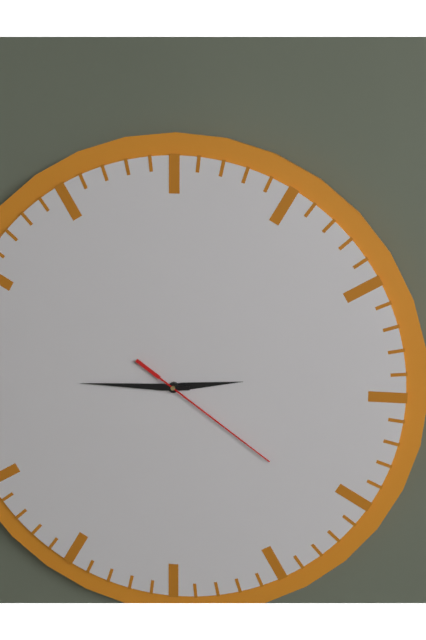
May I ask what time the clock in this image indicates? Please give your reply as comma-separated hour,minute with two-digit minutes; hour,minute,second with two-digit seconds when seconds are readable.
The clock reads 2,45,21
